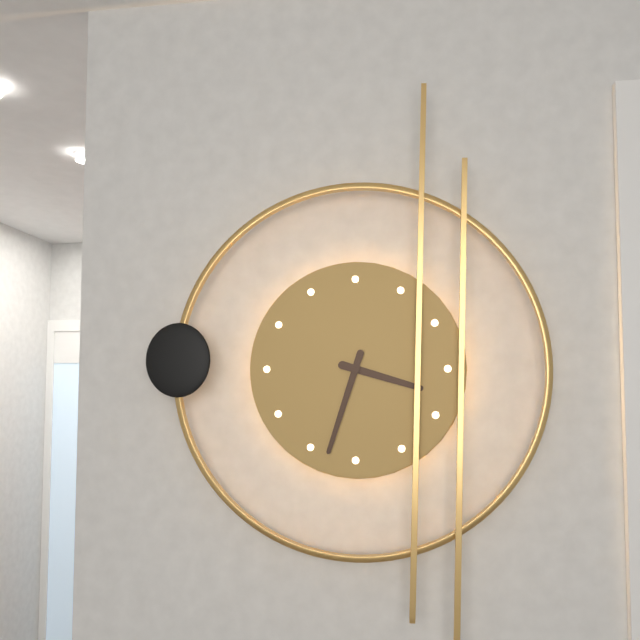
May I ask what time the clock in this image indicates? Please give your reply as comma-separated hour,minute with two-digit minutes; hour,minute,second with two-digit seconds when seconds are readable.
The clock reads 3,33
